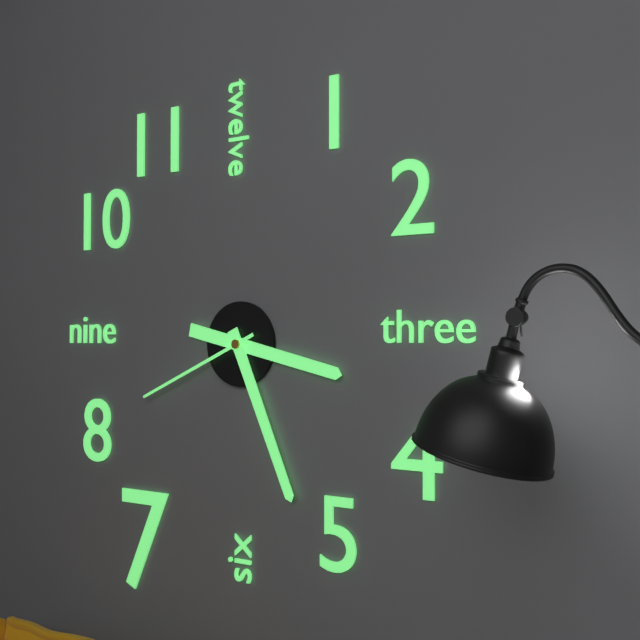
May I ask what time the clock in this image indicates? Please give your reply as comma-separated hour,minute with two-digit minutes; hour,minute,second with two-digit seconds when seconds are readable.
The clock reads 3,26,41
